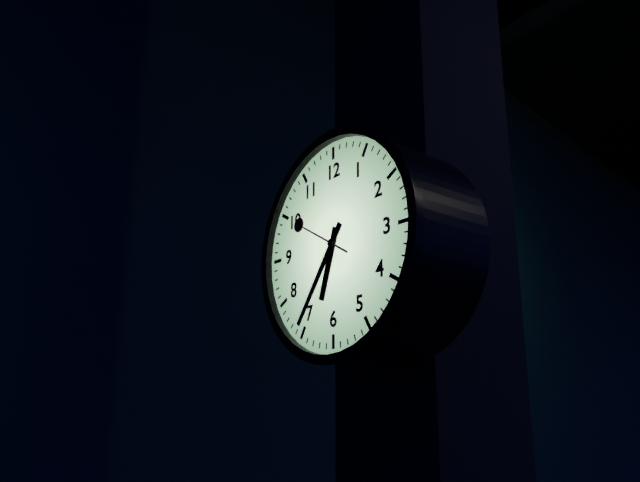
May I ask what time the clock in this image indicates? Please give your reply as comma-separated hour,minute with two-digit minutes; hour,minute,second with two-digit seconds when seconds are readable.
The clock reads 6,36,50
